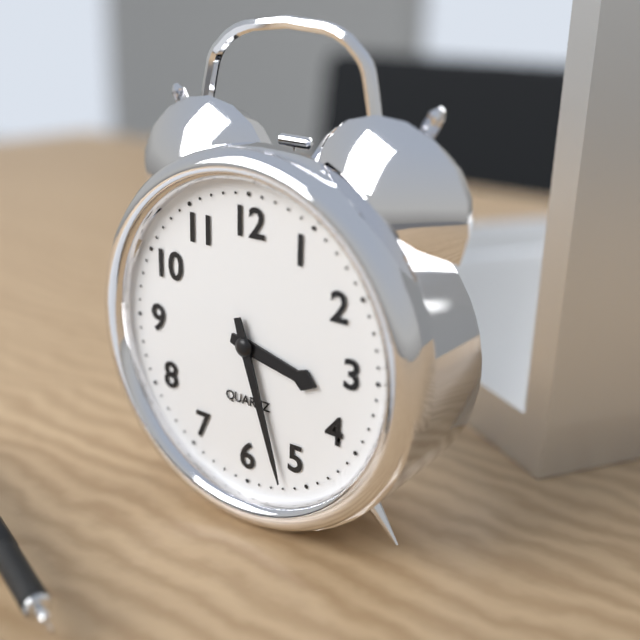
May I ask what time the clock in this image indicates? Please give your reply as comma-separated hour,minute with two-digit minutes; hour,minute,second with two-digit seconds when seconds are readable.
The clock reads 3,27
